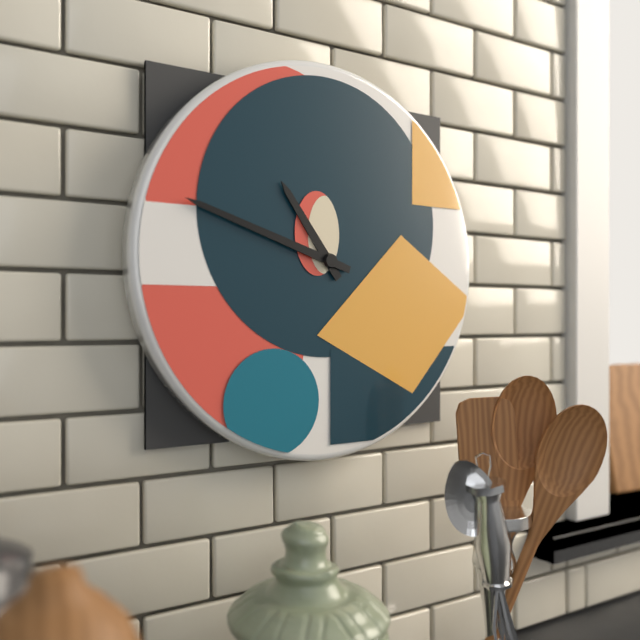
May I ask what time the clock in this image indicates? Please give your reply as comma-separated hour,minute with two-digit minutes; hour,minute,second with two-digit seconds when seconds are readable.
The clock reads 10,48
